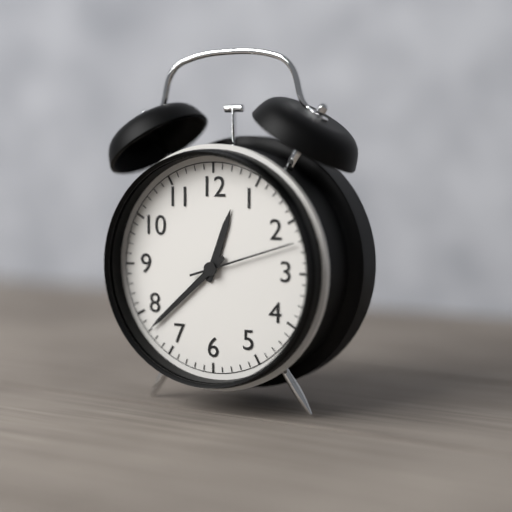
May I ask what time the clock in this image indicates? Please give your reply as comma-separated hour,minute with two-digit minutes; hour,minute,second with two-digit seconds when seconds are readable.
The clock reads 12,38,12
